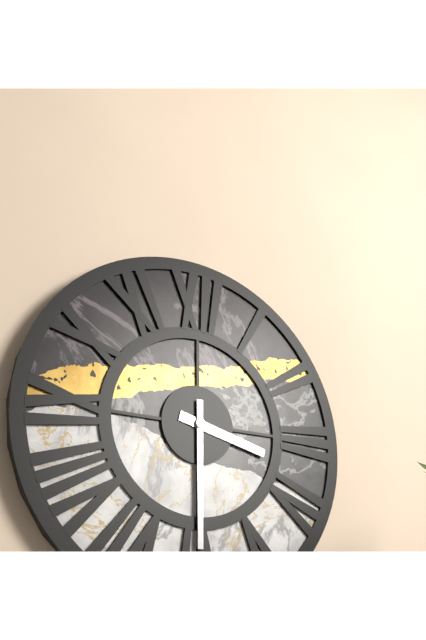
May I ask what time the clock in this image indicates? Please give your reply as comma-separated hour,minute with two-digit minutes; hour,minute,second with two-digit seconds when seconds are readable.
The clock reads 3,30
